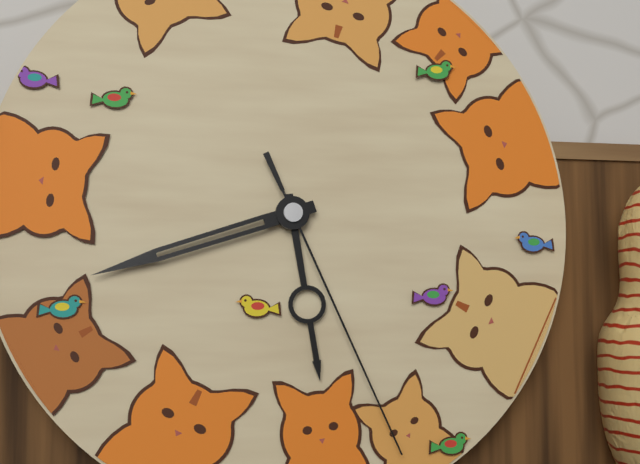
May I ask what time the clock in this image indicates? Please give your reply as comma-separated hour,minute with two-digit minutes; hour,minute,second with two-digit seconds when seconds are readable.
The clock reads 5,42,26
